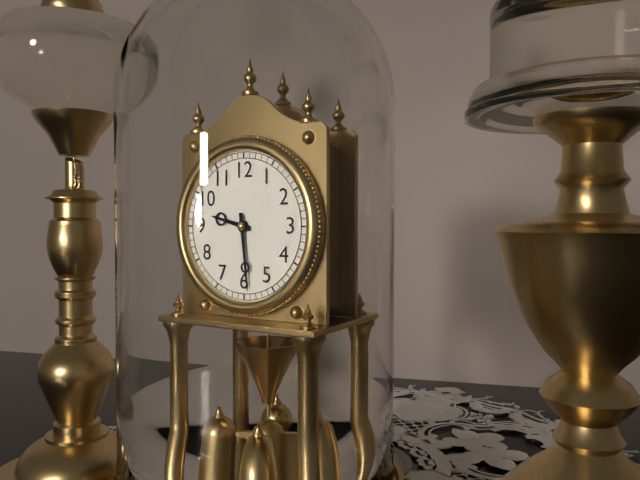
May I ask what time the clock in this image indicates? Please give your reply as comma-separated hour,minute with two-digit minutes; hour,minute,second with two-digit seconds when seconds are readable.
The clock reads 9,29
